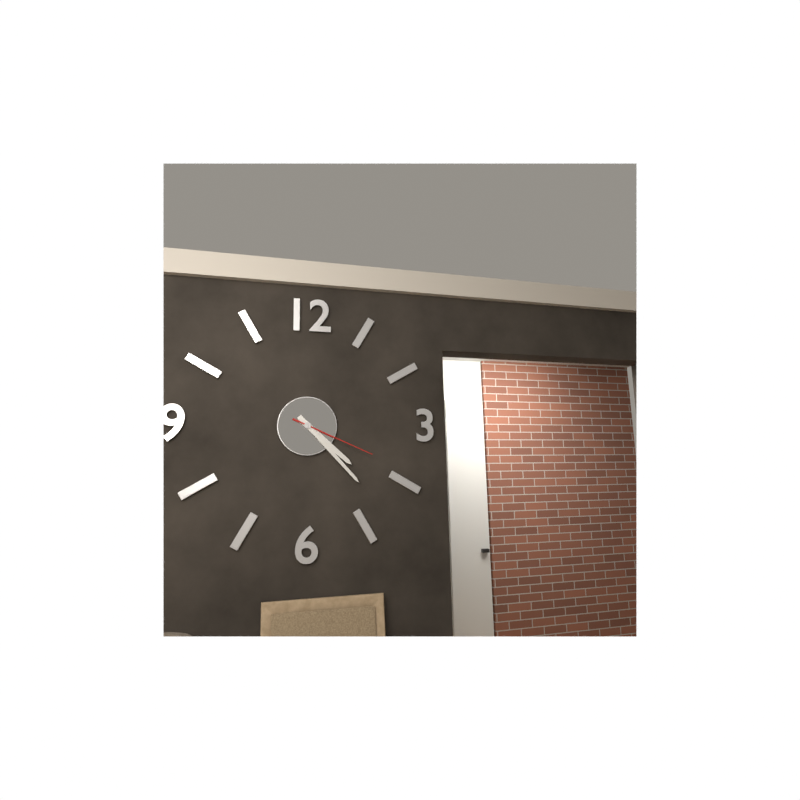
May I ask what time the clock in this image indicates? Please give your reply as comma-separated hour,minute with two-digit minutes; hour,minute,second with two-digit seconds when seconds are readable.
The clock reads 4,23,19
